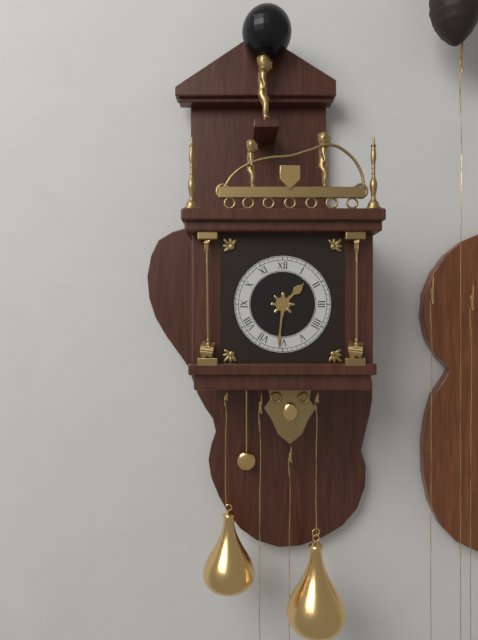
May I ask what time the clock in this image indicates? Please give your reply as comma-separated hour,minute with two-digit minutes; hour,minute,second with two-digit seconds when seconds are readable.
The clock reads 1,31
